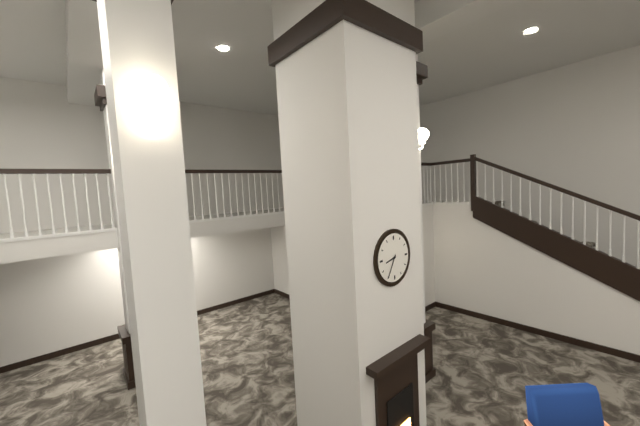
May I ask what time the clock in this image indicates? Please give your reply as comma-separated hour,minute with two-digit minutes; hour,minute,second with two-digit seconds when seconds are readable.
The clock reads 8,35
